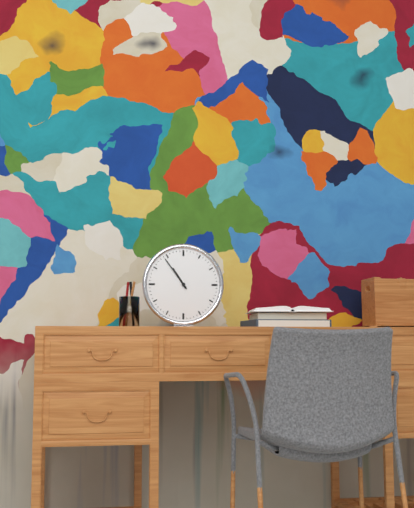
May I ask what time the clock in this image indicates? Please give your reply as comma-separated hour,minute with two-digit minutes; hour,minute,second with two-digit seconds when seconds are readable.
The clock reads 10,54
